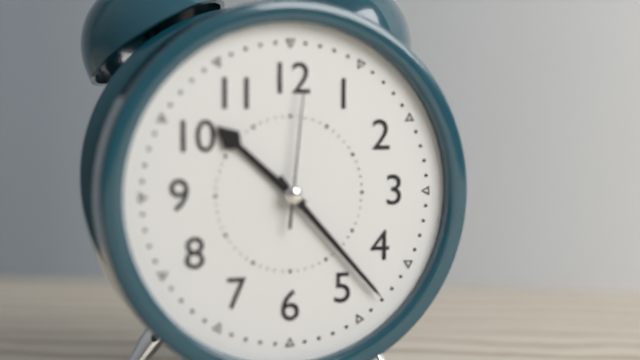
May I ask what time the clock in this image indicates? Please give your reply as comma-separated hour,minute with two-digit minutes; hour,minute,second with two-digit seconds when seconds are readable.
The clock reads 10,23,01
